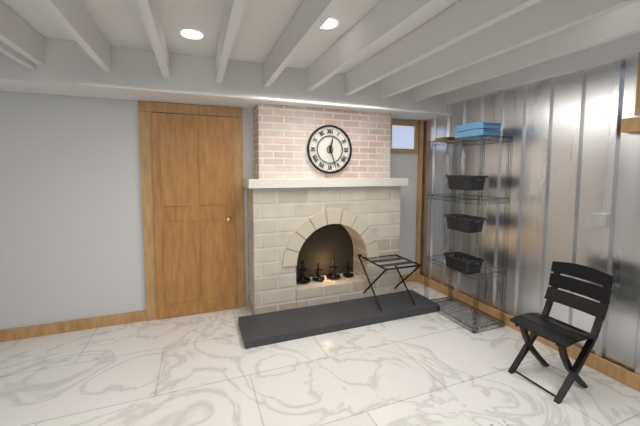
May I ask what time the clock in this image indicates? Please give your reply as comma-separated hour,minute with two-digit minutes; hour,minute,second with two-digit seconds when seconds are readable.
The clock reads 12,27
